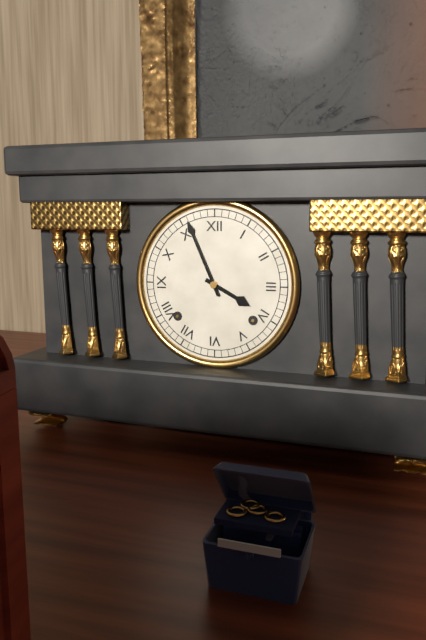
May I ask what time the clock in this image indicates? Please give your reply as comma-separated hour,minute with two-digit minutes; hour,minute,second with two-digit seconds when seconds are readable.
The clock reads 3,56
